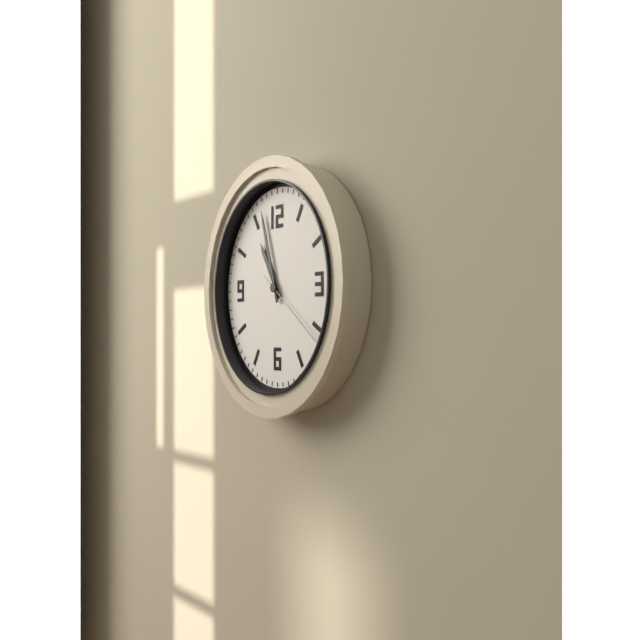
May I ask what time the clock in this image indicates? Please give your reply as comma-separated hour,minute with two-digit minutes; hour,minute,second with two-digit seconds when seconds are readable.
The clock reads 10,57,21
